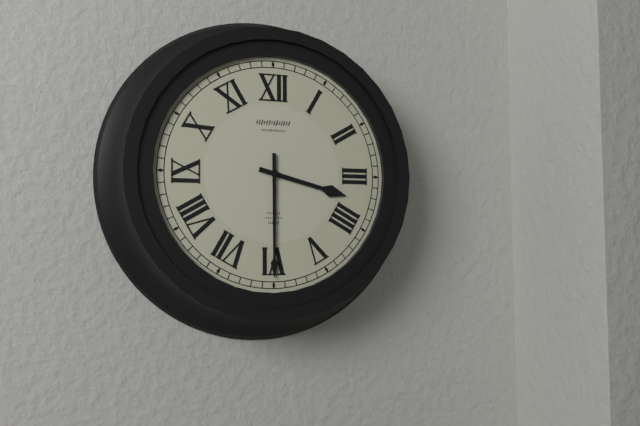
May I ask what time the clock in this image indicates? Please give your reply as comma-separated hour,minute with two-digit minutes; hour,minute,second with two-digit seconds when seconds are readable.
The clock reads 3,30
